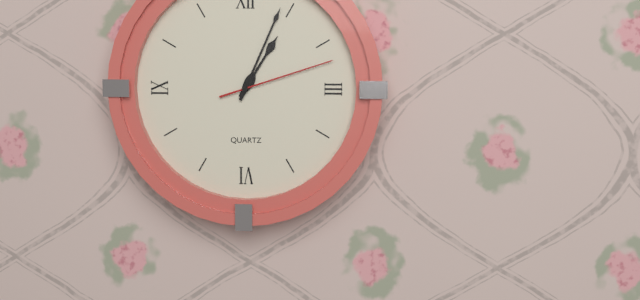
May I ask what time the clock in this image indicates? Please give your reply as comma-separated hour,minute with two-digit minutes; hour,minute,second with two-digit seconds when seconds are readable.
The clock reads 1,04,12
